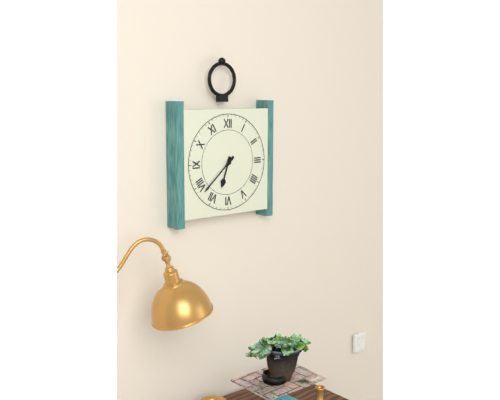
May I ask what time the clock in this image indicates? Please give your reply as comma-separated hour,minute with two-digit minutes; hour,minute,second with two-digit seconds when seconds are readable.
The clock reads 6,38
